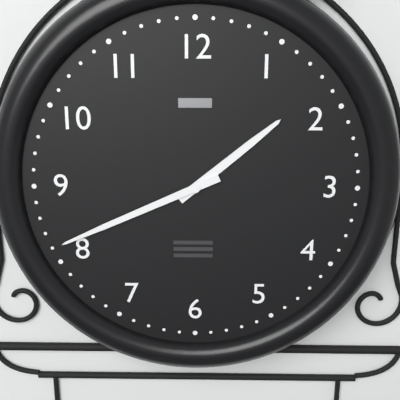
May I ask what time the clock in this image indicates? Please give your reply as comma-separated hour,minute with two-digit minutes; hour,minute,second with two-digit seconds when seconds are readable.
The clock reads 1,41
